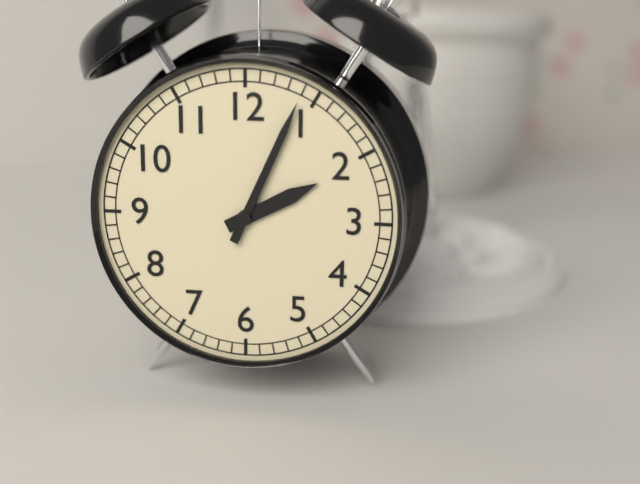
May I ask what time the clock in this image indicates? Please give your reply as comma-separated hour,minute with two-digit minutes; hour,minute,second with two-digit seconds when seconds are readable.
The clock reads 2,04
